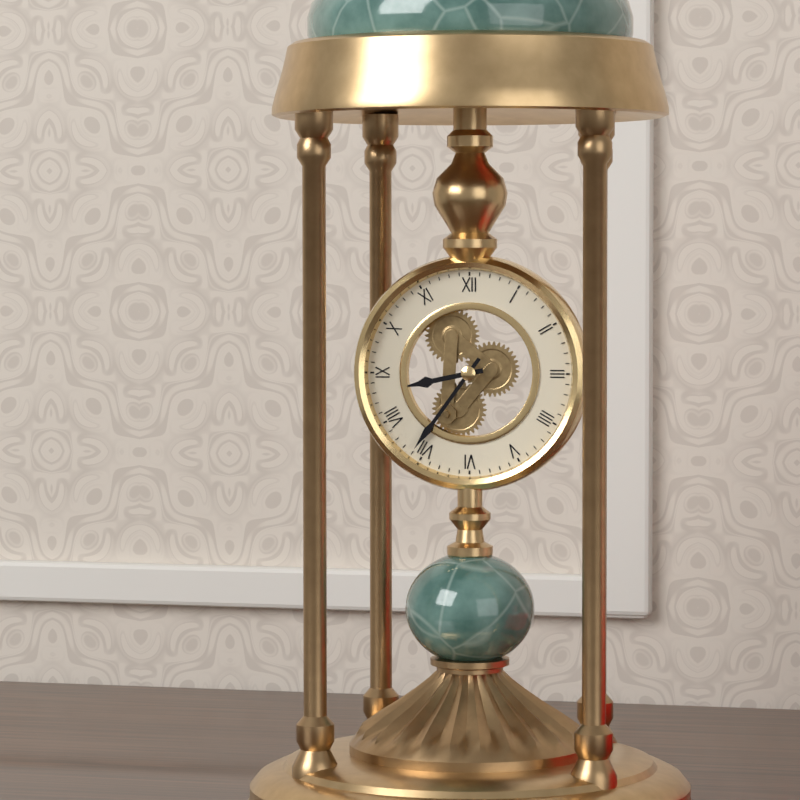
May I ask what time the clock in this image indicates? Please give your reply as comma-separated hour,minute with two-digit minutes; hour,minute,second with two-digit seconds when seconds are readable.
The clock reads 8,36
